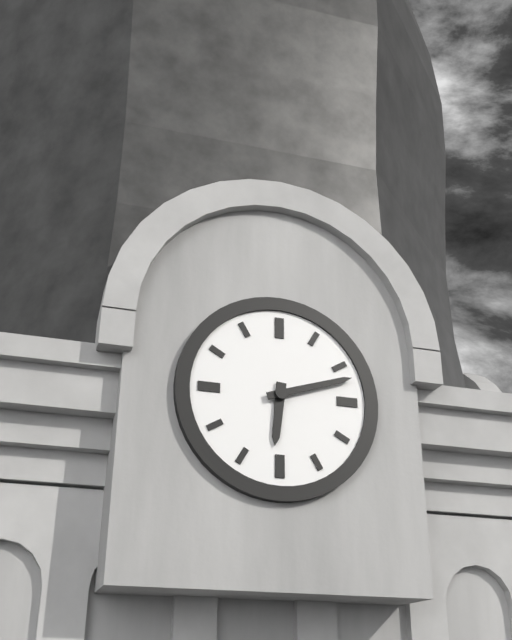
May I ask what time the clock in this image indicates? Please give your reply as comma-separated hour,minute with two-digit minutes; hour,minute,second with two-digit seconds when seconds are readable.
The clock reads 6,12
